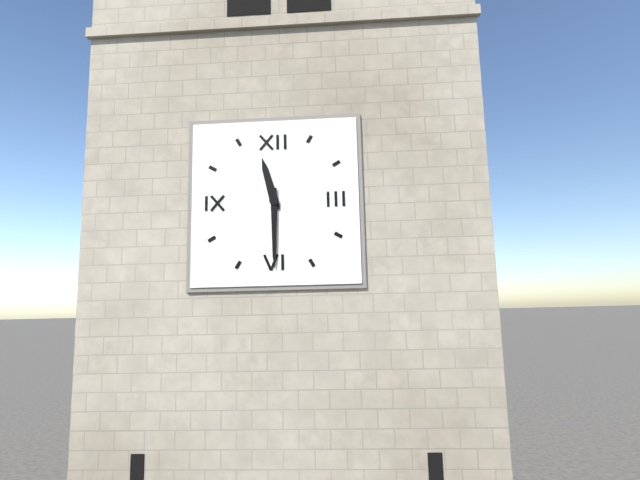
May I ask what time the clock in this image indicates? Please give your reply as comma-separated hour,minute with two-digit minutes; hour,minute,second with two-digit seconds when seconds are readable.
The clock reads 11,30
